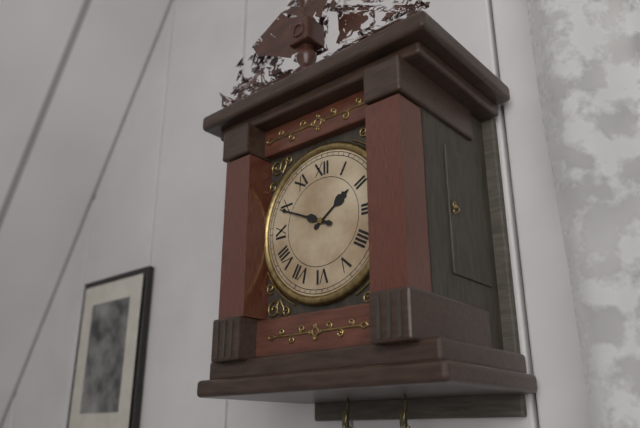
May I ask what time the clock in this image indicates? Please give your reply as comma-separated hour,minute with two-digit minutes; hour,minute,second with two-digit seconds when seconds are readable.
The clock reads 1,49
